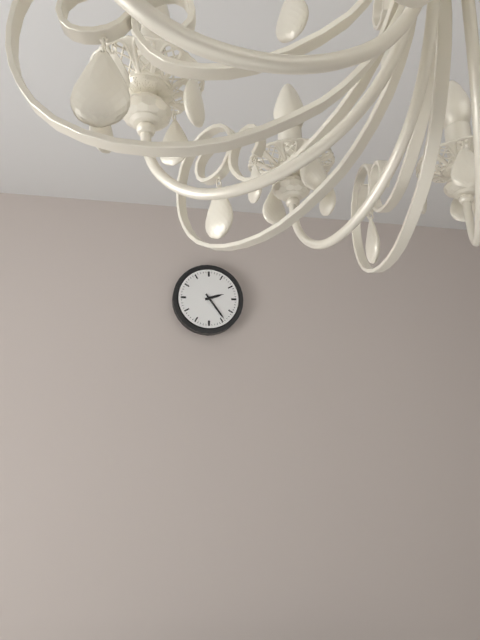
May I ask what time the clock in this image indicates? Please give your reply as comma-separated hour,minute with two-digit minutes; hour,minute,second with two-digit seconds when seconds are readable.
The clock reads 2,24
